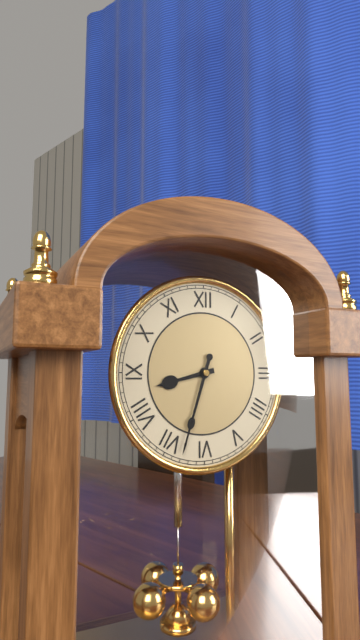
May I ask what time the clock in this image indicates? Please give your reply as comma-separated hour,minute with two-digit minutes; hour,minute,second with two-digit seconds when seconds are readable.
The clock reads 8,33
